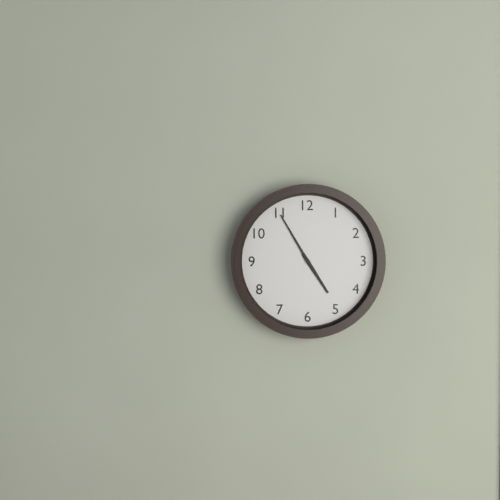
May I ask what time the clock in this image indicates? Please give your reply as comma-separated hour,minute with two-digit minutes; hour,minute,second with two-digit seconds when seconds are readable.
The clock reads 4,55
